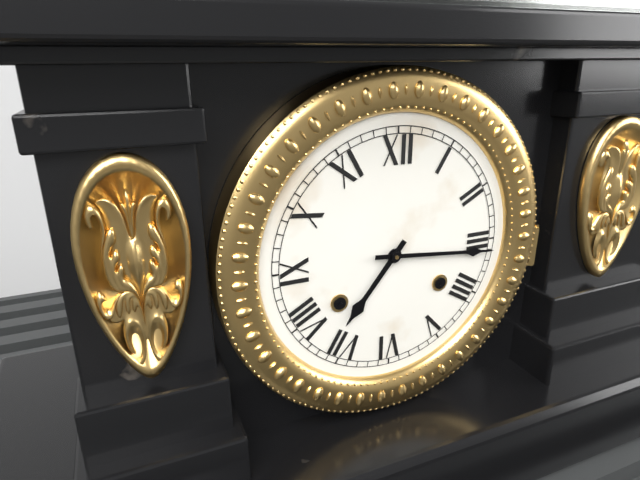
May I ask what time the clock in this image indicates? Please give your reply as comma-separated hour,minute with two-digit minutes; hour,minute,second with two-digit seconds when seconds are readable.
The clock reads 7,16
